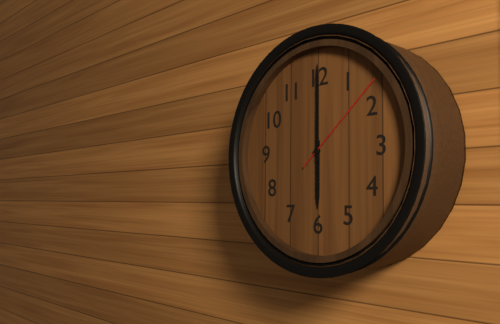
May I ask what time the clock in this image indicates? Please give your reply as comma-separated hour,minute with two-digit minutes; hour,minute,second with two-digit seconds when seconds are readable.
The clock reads 6,00,08
